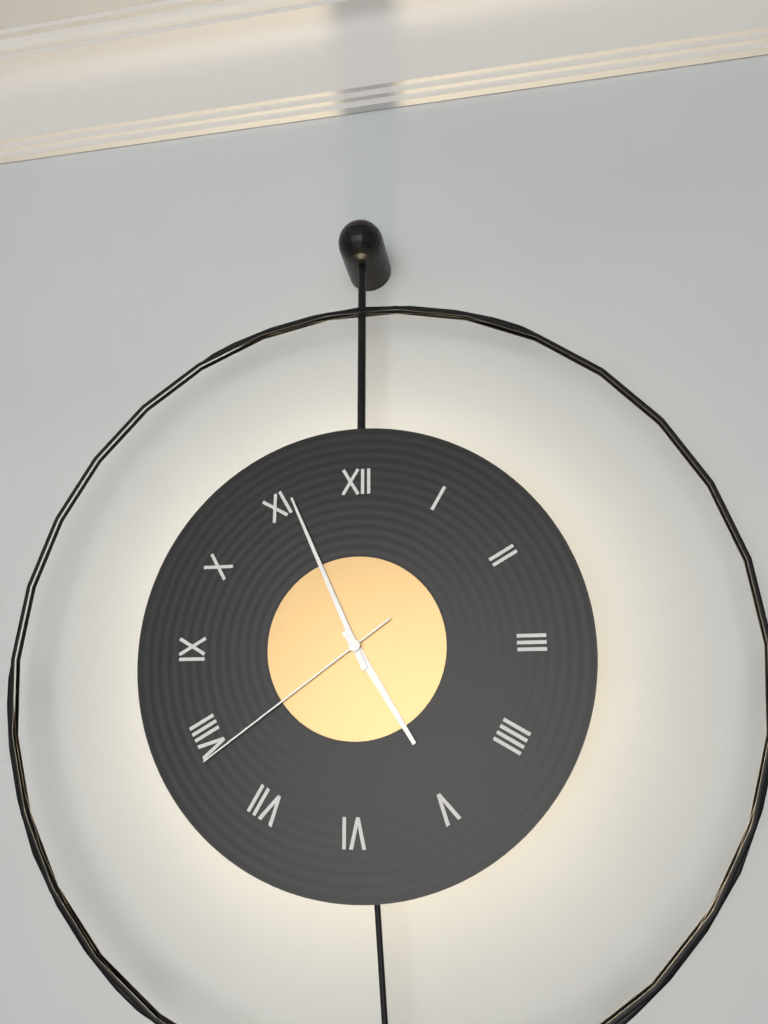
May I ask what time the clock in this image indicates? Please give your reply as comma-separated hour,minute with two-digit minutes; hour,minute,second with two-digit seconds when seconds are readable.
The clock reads 4,56,39
